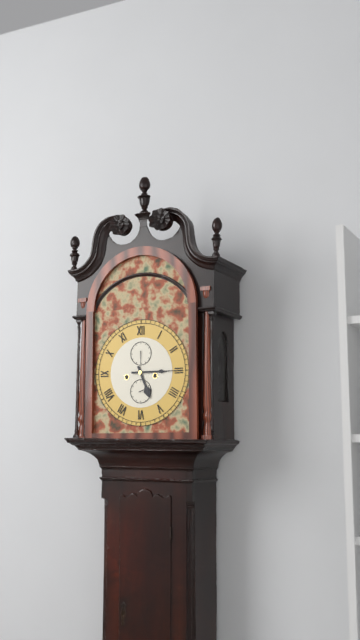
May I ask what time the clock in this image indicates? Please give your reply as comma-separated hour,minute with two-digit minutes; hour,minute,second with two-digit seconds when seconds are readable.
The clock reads 5,15
